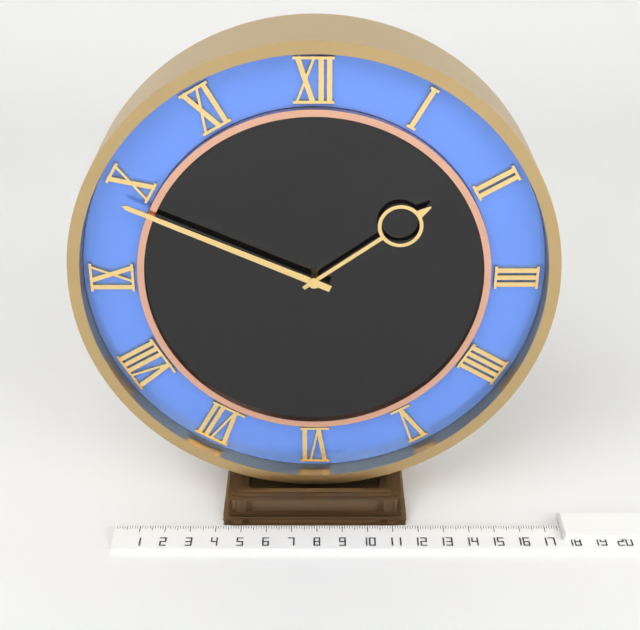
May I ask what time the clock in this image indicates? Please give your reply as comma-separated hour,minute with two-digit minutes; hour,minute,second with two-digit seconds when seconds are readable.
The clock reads 1,49
